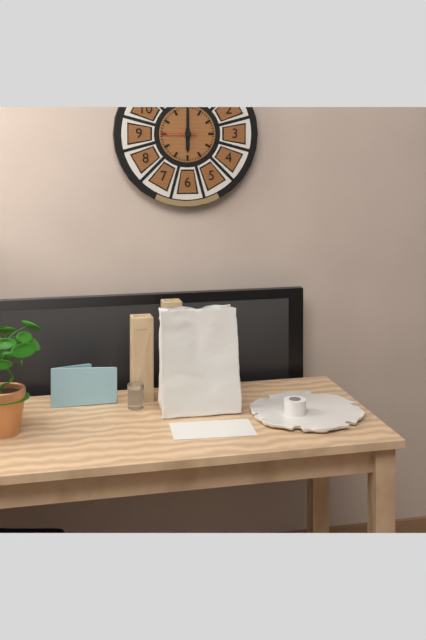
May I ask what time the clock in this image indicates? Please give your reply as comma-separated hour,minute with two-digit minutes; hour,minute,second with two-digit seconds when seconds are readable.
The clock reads 6,00
